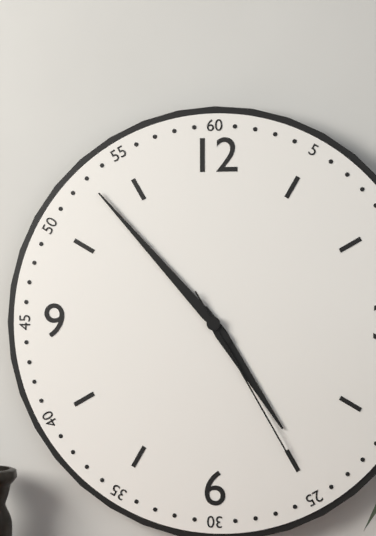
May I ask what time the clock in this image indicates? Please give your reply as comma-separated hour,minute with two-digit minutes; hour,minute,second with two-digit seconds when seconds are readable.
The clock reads 4,53,25
